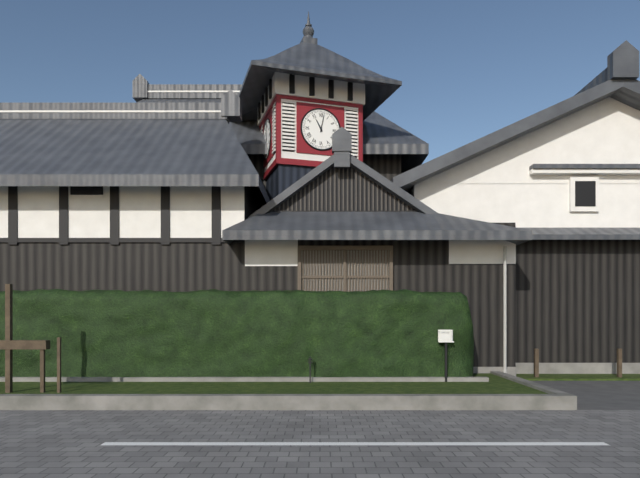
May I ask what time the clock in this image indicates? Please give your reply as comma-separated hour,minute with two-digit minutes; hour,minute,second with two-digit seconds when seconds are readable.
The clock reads 11,02
